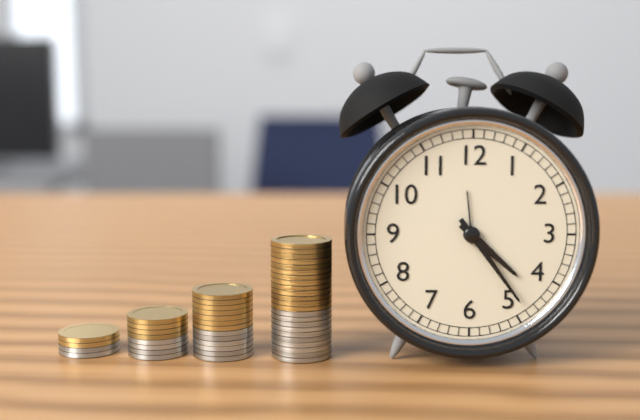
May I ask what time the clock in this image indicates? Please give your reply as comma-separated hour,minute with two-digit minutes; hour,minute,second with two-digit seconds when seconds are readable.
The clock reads 4,24
